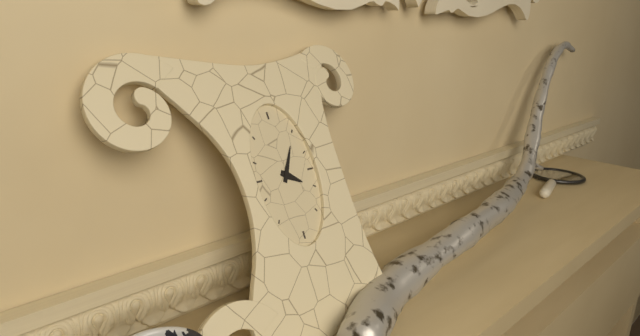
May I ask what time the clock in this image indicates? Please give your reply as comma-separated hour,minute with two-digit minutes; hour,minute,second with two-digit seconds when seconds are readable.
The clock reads 4,05
